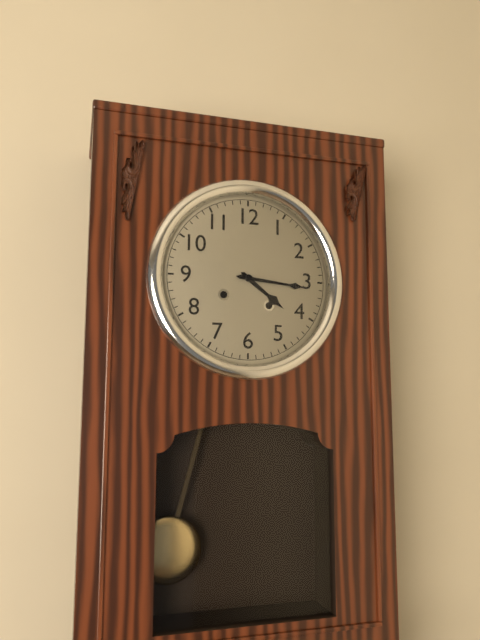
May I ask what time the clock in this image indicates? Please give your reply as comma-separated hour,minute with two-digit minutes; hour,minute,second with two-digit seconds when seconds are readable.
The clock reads 4,16
